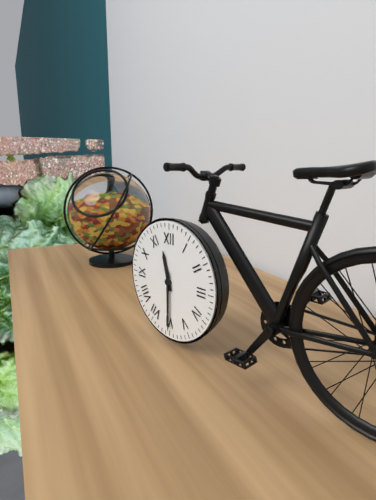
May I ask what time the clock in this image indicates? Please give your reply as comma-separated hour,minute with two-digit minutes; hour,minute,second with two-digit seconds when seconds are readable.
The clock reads 11,30
